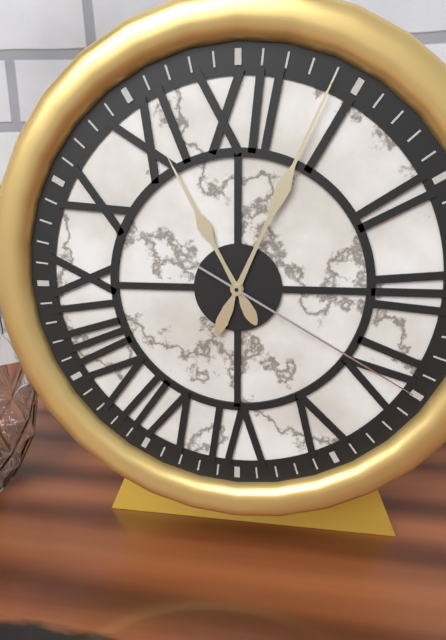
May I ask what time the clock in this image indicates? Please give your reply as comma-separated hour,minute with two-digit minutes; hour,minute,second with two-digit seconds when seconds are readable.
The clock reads 11,04,20
